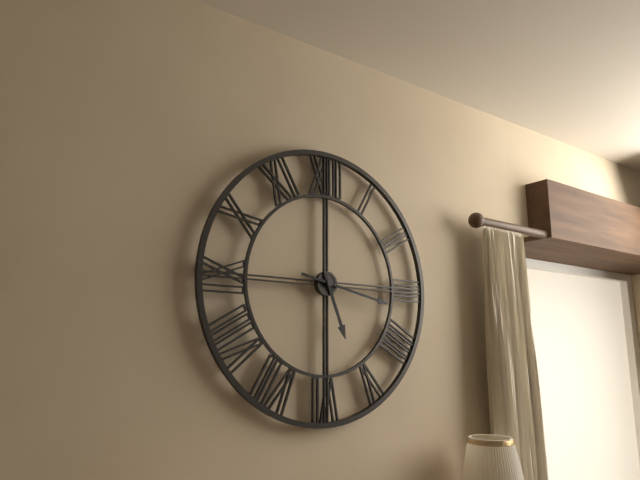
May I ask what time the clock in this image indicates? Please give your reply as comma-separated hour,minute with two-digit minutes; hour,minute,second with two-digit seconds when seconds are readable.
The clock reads 5,17
